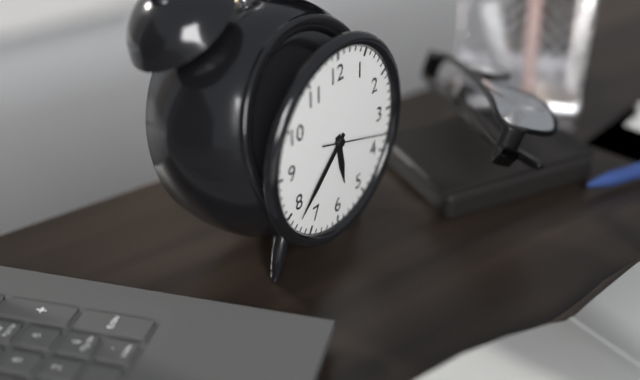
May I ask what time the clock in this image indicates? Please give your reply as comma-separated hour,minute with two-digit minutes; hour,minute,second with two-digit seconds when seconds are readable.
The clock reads 5,38,18
